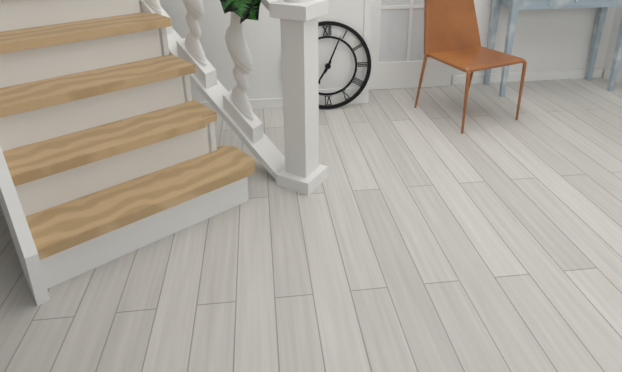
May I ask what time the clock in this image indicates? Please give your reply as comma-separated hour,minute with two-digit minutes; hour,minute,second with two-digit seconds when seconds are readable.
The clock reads 7,04
